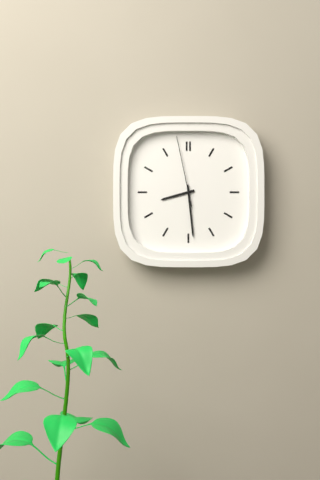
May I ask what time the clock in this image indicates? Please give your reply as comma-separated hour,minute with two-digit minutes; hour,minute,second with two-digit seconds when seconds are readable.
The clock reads 8,29,58
